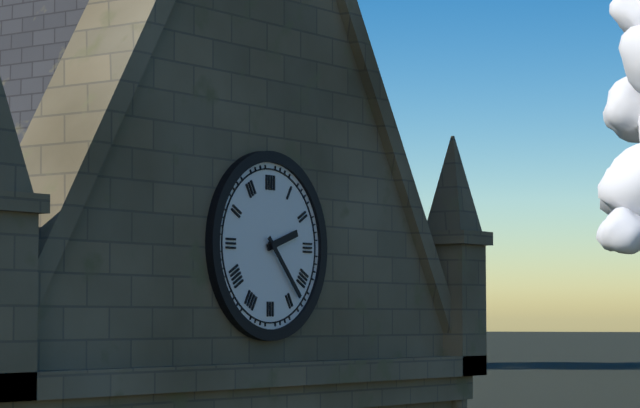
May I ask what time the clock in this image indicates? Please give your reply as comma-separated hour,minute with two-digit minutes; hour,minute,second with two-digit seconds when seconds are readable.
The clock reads 2,23
